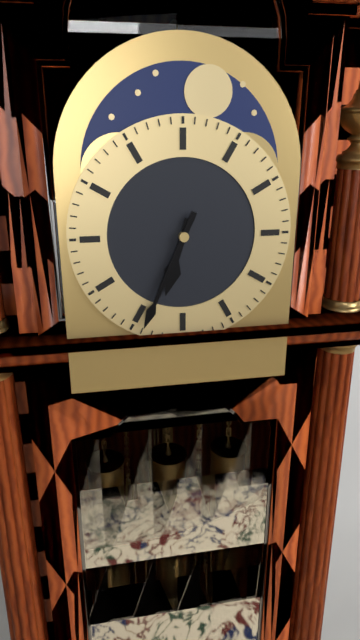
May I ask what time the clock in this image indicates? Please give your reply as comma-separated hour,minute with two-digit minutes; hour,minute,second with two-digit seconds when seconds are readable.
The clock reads 6,34
